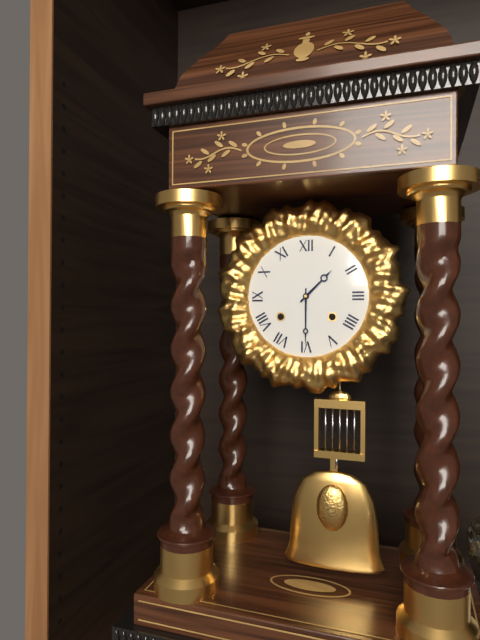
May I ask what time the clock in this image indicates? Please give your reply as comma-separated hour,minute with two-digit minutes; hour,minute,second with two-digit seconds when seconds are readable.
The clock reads 1,30
